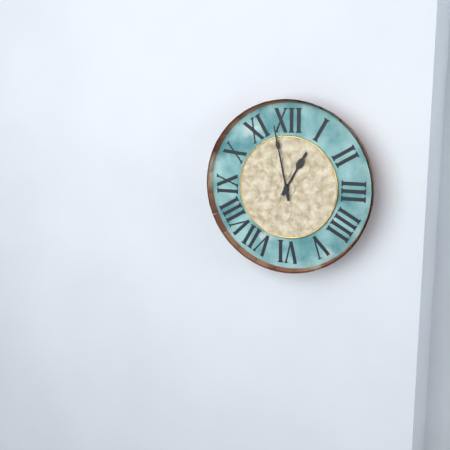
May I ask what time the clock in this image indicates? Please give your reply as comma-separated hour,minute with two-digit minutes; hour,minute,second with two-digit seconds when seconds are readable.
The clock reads 12,58
